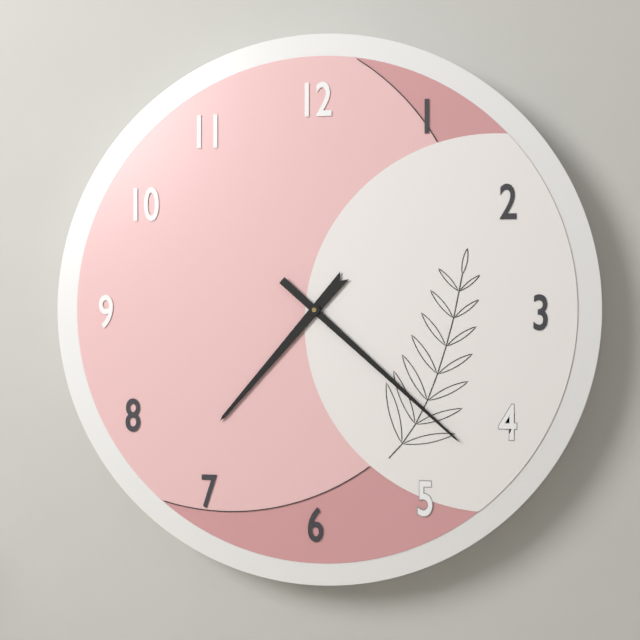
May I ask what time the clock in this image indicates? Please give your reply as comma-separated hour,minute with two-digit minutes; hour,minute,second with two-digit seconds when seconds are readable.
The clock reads 7,22
